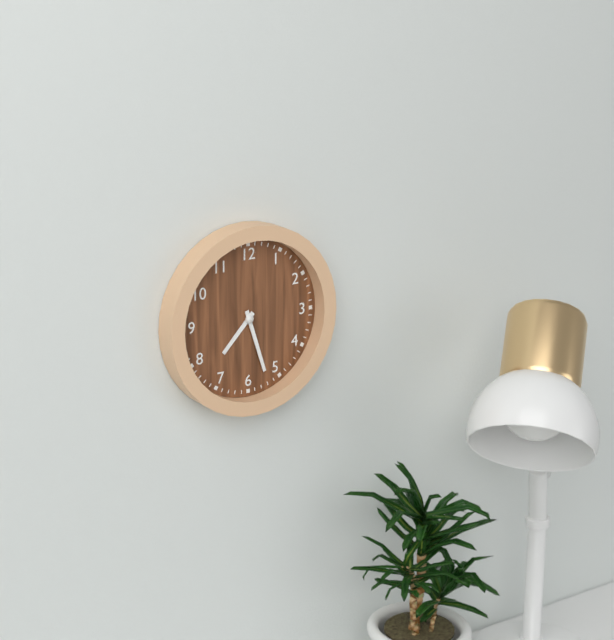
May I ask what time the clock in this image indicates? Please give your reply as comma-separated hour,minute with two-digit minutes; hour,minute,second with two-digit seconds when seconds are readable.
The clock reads 7,27
